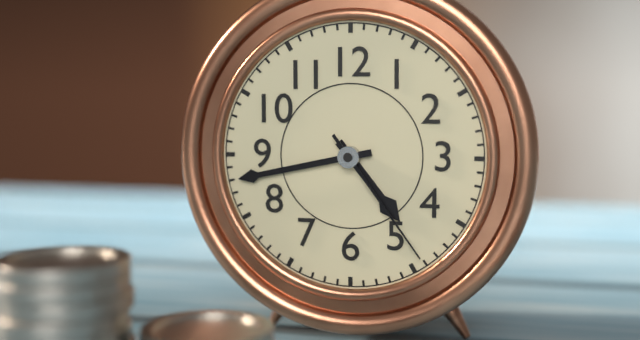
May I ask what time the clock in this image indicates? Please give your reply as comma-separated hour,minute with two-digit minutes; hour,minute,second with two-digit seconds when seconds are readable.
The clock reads 4,43,24
